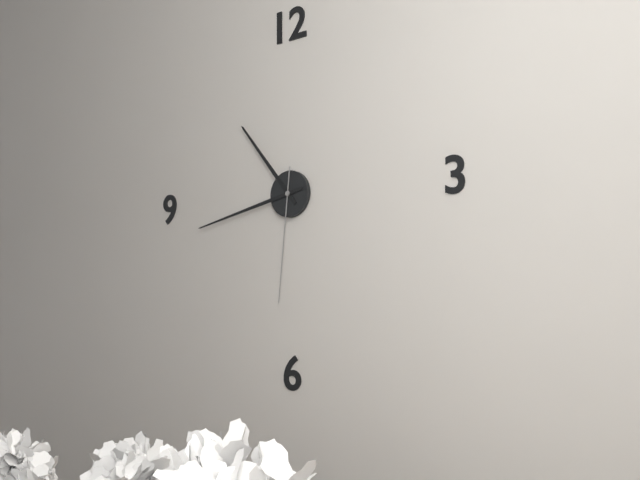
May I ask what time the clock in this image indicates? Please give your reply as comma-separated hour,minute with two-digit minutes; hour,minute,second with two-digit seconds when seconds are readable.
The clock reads 10,43,31
